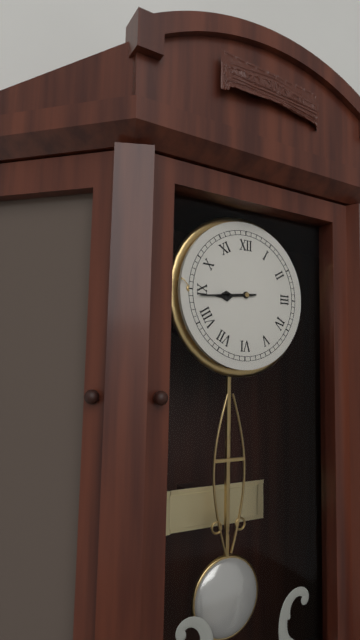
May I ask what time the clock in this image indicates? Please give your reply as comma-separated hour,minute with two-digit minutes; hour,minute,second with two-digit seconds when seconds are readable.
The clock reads 8,44
